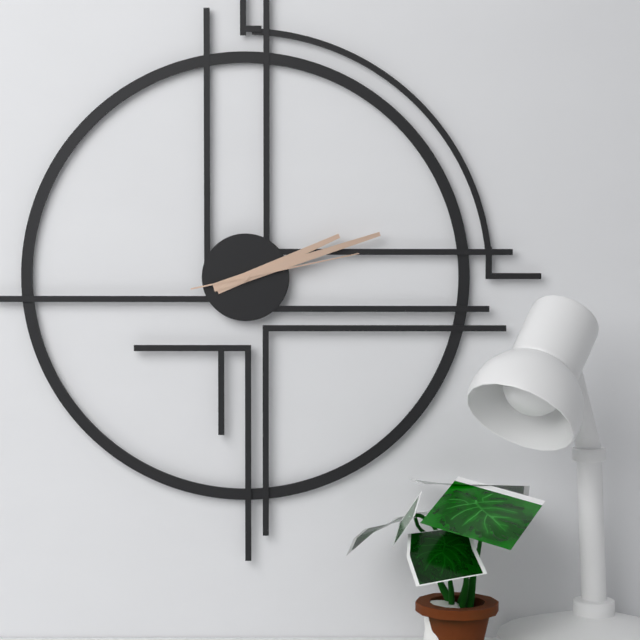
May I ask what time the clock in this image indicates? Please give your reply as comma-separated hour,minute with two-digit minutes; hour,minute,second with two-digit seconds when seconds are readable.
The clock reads 2,12,13
